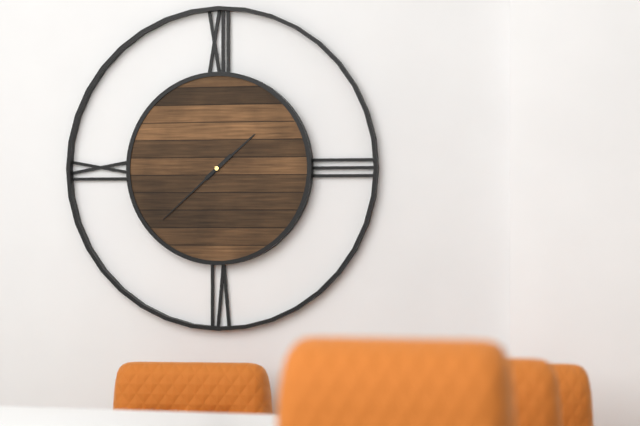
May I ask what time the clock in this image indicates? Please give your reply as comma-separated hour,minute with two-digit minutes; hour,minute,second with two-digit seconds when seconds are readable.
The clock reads 1,38
